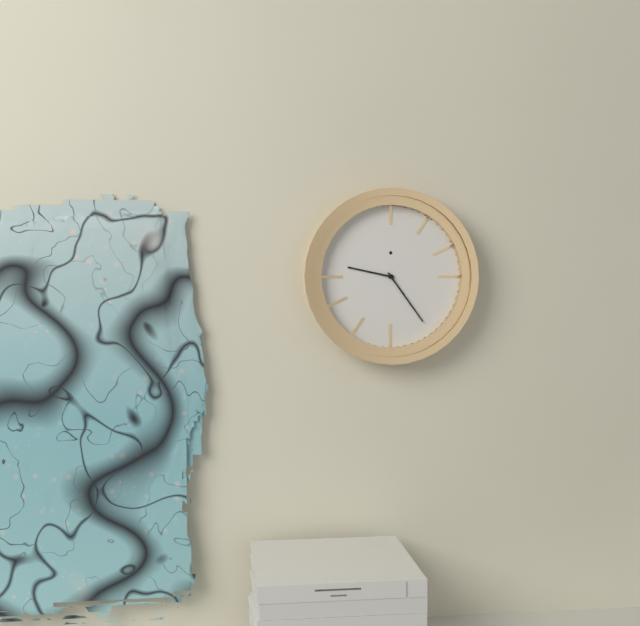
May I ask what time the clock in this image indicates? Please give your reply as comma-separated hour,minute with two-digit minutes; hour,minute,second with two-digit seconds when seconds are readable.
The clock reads 9,24
